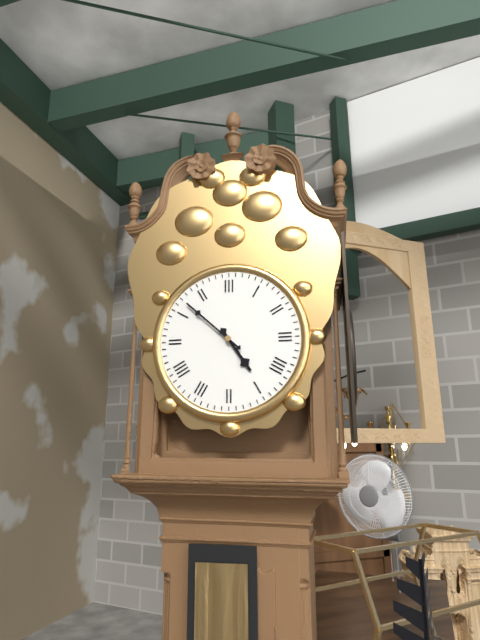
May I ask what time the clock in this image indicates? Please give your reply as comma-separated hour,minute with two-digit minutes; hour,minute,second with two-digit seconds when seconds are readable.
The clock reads 4,52
